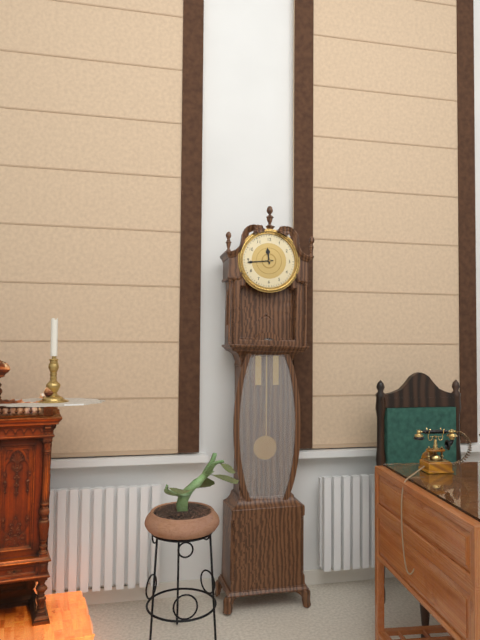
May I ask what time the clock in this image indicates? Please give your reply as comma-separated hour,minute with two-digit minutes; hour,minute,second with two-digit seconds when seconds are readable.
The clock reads 11,44
